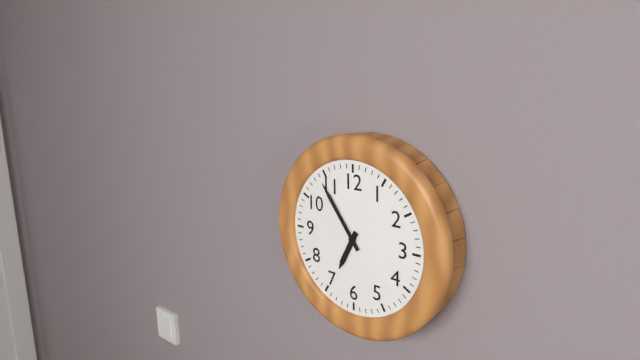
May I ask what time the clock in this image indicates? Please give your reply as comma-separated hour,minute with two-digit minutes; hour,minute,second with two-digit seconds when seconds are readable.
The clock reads 6,54
